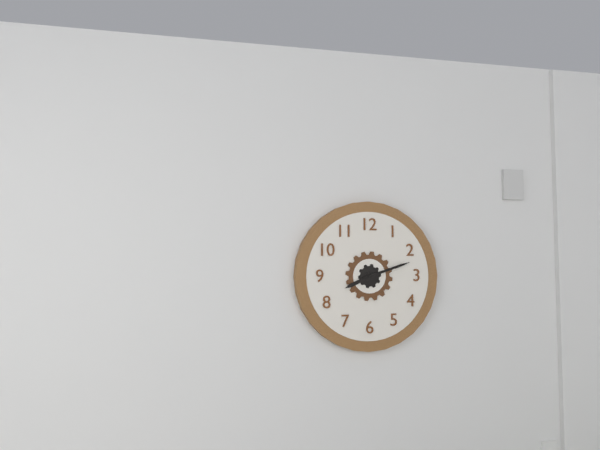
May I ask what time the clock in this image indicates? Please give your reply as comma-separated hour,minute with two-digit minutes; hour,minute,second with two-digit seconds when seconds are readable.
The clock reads 8,12
